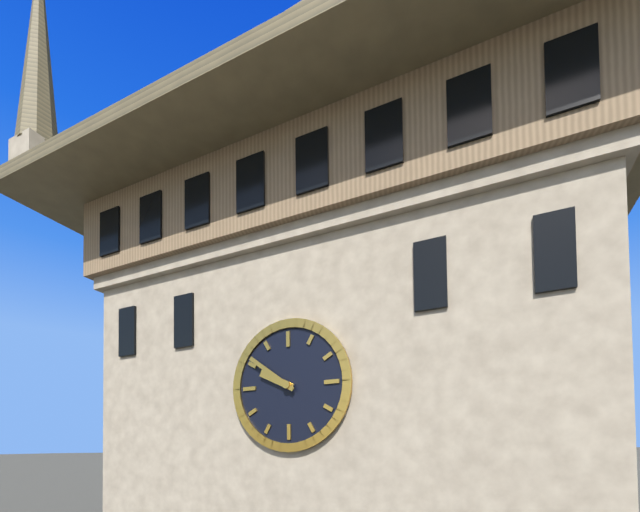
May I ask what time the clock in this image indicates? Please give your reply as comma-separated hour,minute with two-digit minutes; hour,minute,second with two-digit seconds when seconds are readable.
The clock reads 9,51
